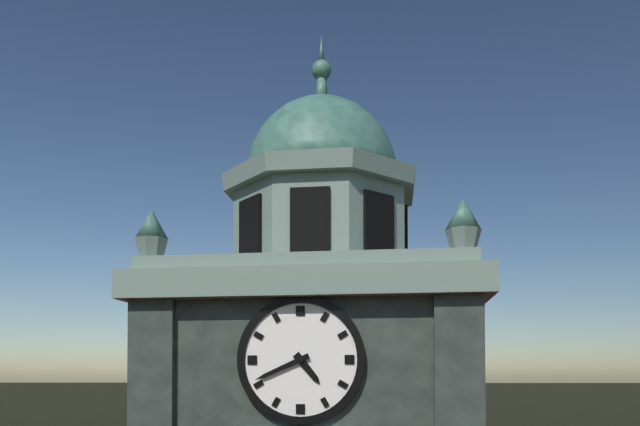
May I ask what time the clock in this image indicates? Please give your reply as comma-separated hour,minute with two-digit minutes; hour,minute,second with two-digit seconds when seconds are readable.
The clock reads 4,41
